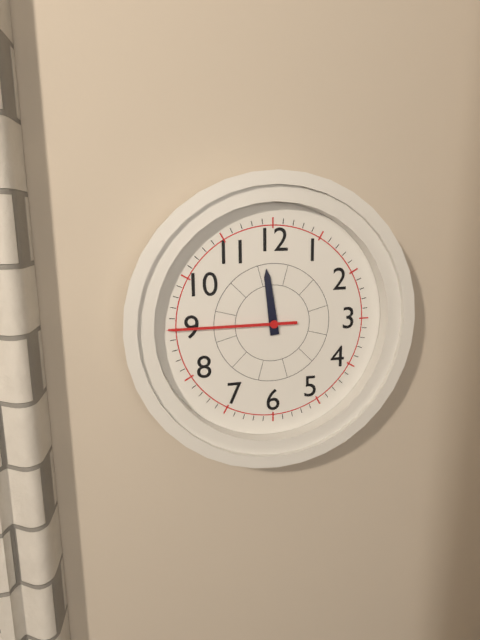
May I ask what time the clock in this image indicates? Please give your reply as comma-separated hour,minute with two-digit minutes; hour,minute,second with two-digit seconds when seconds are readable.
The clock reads 11,45
